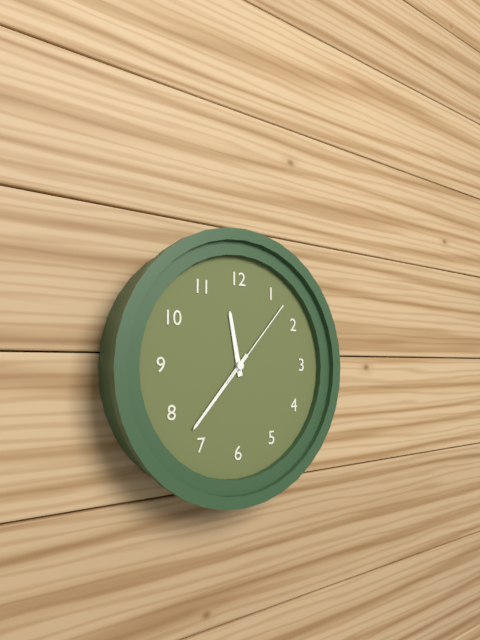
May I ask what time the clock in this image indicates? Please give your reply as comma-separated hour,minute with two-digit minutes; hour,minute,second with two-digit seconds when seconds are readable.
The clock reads 11,37,07
